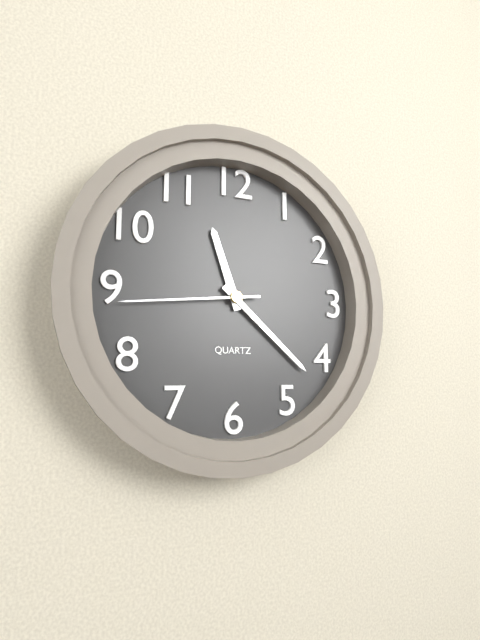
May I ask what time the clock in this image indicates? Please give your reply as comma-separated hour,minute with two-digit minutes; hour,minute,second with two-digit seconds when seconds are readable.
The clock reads 11,22,44
